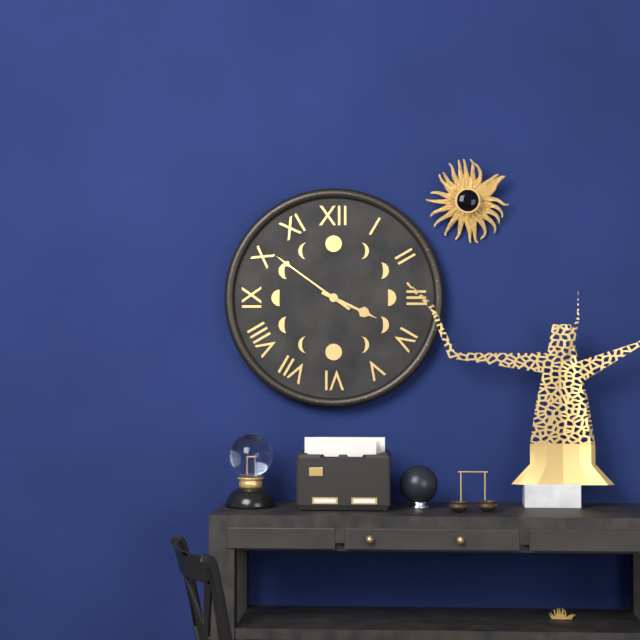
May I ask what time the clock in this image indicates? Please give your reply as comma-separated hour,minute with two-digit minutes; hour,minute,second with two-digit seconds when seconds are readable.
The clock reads 3,51
